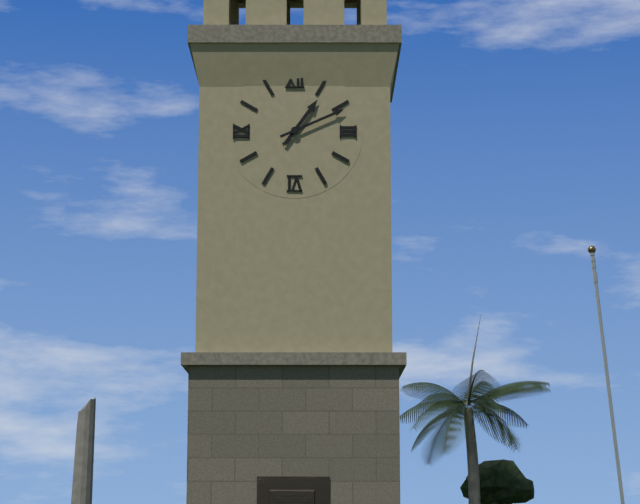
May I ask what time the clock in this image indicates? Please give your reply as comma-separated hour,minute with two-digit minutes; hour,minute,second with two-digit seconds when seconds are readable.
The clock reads 1,11
